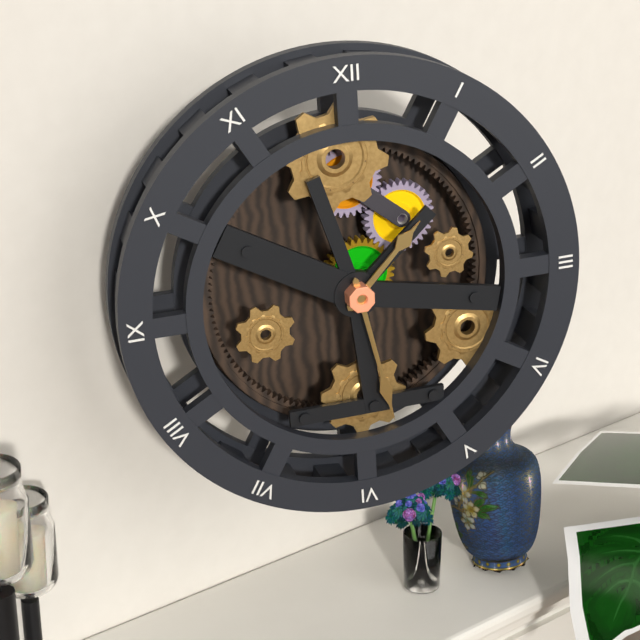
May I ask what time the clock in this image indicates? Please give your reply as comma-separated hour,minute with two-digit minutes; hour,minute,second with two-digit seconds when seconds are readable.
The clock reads 1,28
